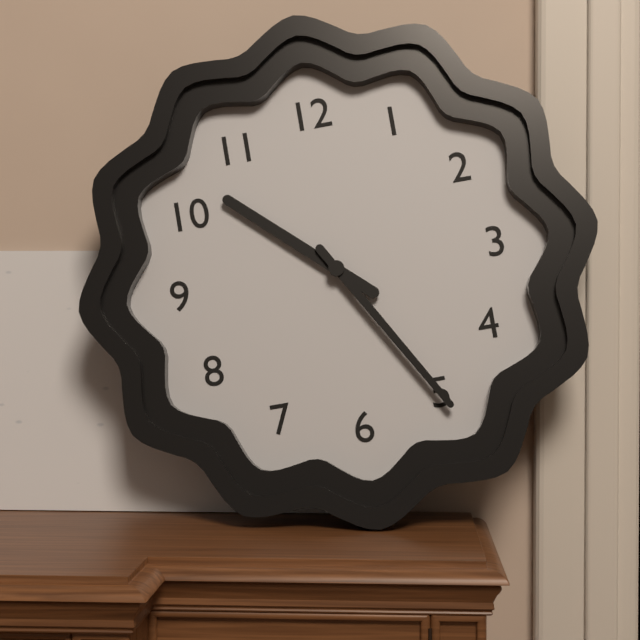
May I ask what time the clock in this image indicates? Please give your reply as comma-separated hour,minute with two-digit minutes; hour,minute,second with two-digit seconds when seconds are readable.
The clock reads 10,25
